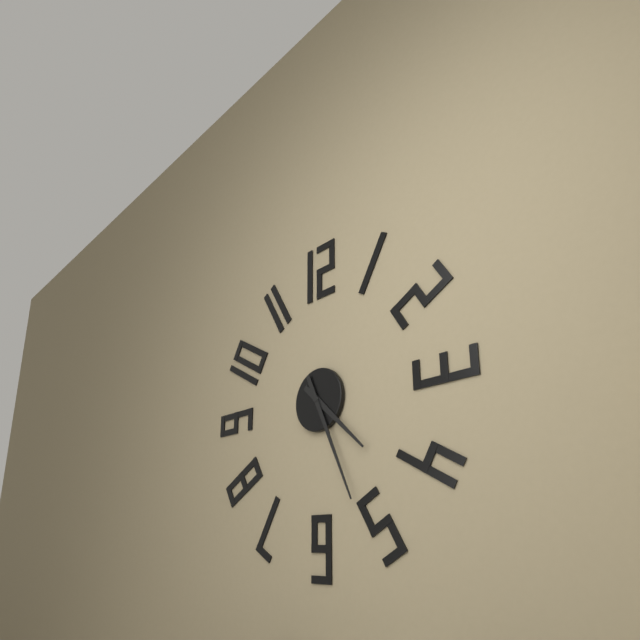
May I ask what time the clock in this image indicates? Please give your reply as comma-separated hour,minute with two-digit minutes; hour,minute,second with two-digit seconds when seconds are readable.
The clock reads 4,26
